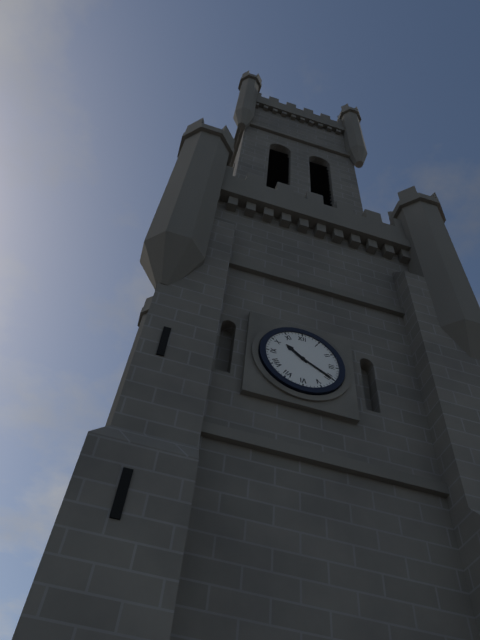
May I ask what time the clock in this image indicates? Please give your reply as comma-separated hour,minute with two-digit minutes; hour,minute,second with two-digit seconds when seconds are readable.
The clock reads 10,20
